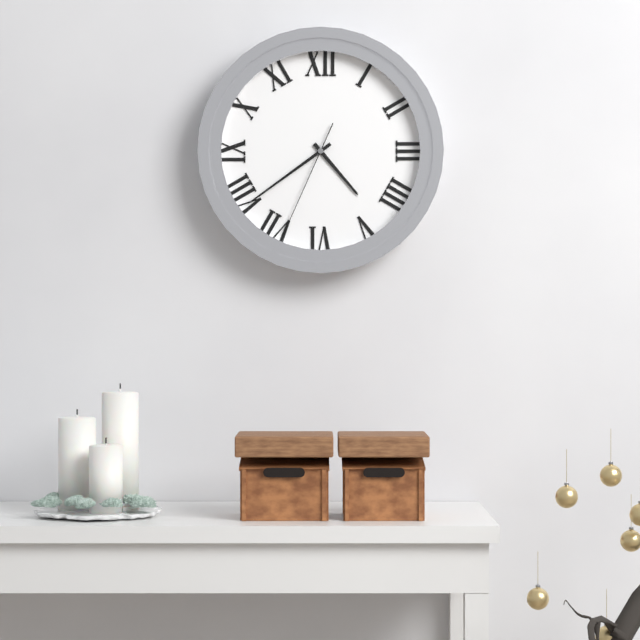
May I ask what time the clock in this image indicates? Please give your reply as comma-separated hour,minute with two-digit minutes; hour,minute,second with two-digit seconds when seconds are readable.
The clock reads 4,39,34
